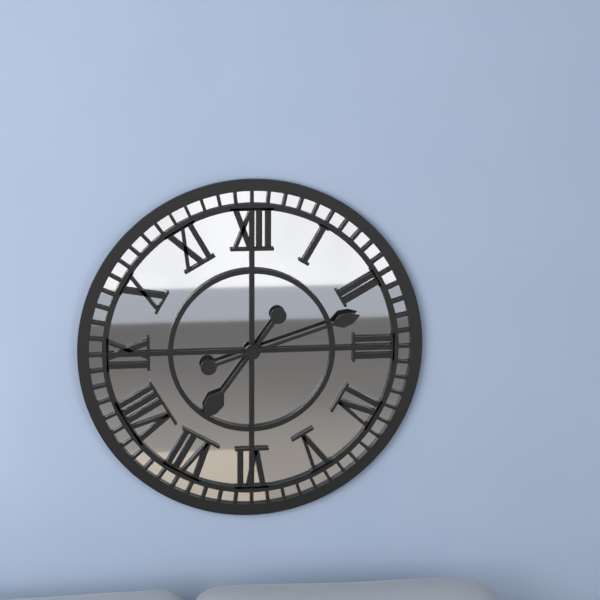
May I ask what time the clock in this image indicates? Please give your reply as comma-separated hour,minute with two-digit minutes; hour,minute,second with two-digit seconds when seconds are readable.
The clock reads 7,12
